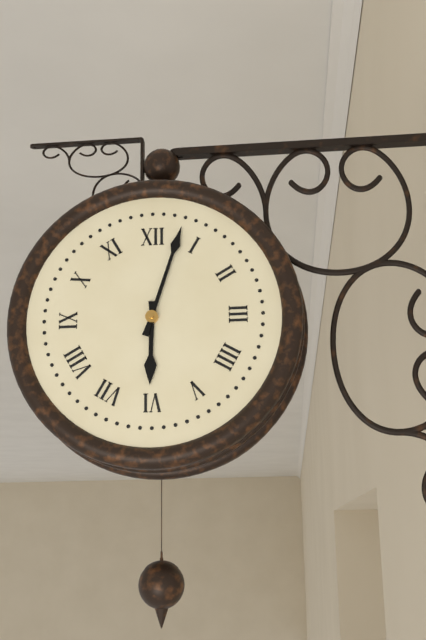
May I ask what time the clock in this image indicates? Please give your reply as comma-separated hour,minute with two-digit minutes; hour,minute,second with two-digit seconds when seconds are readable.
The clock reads 6,03
